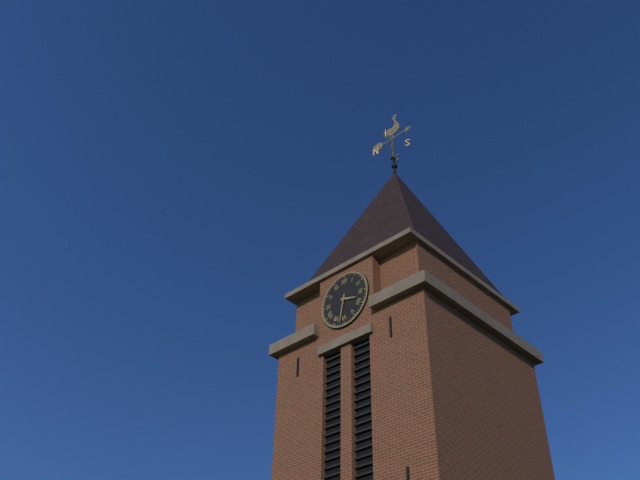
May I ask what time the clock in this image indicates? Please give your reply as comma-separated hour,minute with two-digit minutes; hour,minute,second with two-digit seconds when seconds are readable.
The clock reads 3,32
